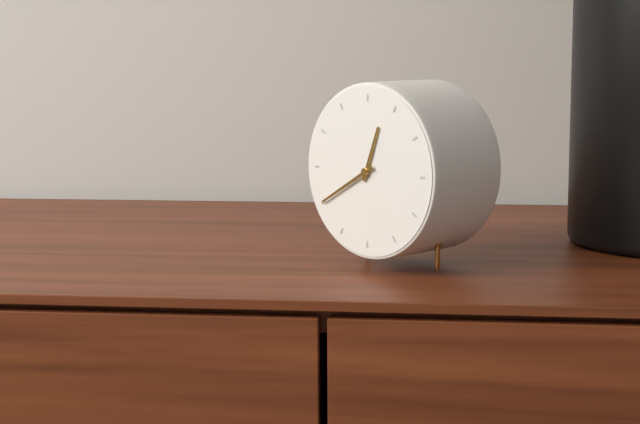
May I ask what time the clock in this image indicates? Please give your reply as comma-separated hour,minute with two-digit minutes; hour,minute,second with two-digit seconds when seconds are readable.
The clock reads 12,40
